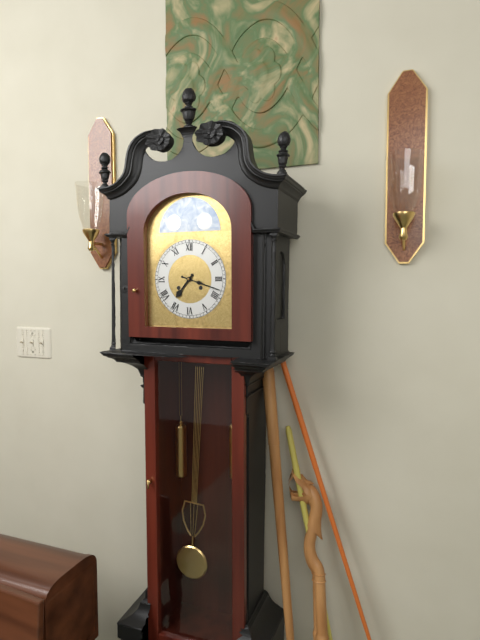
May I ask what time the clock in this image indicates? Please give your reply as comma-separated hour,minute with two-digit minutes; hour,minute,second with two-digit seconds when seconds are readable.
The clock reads 7,18
